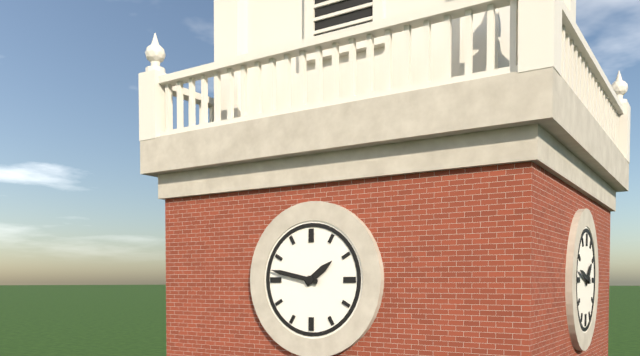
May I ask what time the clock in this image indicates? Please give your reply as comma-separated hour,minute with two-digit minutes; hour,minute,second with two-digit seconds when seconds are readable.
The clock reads 1,47
